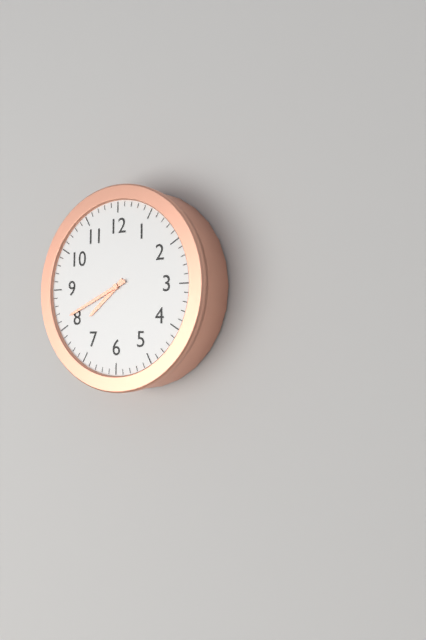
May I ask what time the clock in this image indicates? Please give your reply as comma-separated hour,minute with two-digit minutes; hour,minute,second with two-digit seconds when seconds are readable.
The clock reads 7,41
